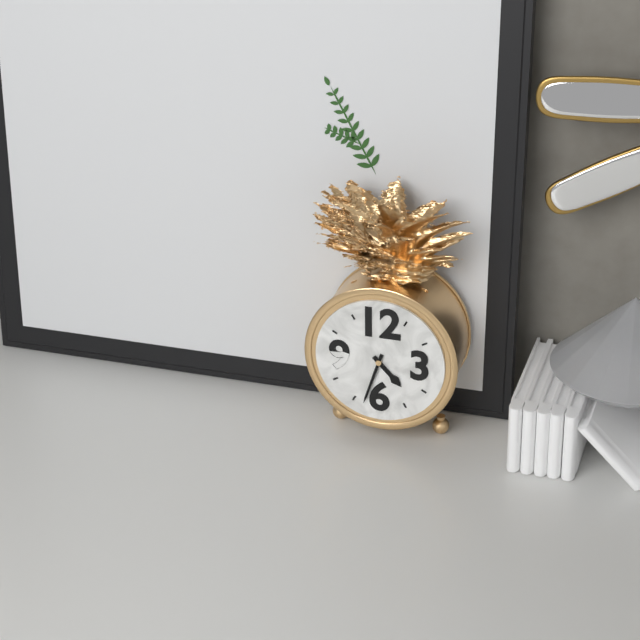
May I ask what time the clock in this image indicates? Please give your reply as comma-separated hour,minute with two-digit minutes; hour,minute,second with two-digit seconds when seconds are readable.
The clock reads 4,33
